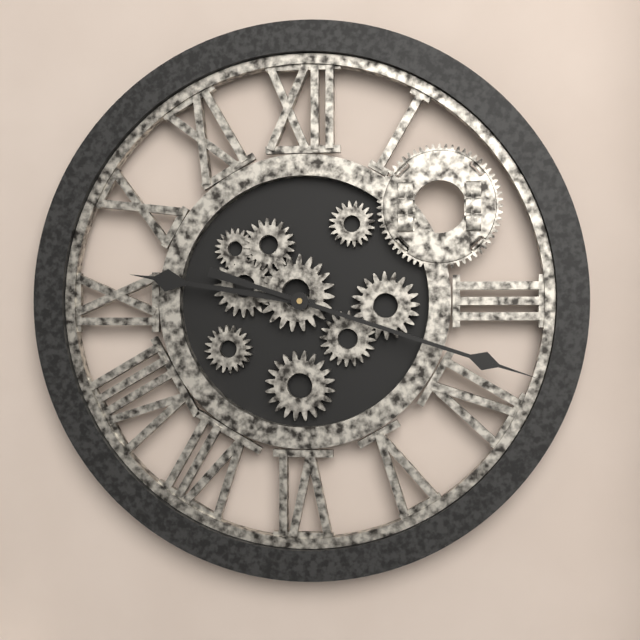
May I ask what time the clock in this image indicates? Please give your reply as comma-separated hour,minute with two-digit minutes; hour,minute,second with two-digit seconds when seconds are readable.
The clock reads 9,18
